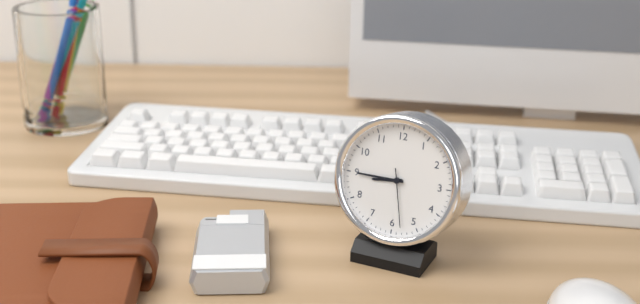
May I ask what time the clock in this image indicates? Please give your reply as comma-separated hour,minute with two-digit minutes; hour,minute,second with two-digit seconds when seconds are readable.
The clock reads 8,45,28
